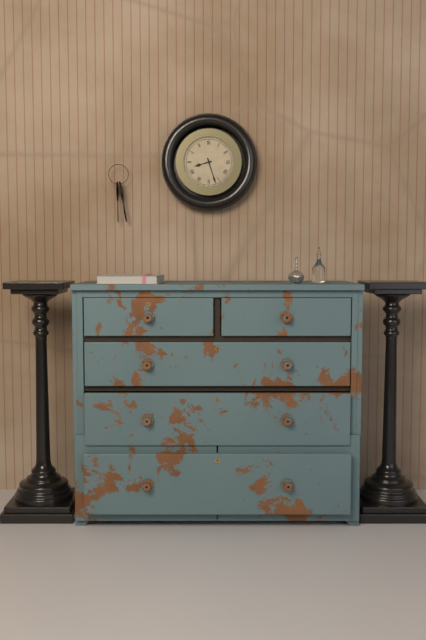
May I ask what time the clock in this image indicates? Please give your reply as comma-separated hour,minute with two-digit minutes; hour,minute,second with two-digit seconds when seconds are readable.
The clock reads 8,27
